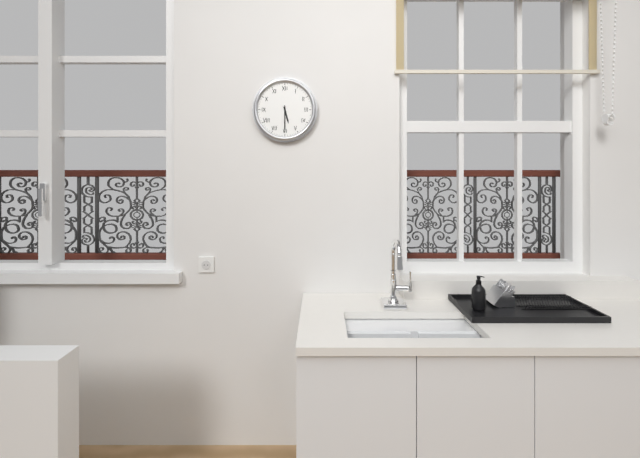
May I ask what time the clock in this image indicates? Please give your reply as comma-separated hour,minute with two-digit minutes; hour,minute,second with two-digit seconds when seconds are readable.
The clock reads 5,30
